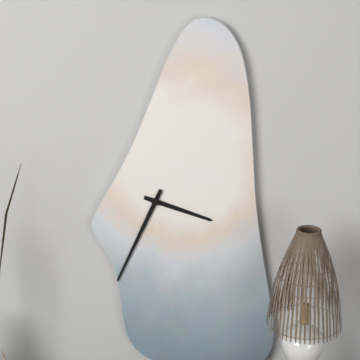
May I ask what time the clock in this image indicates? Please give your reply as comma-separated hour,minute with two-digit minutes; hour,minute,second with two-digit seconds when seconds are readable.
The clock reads 3,34
